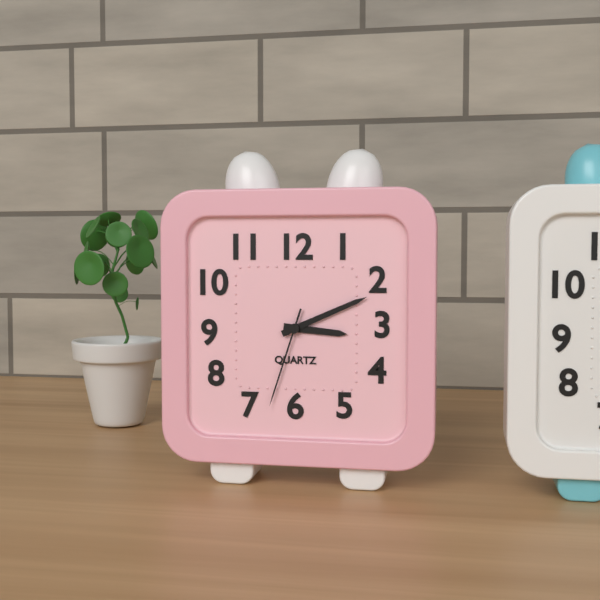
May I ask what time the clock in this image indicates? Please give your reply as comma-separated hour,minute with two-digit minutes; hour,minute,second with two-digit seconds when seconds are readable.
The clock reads 3,11,33
